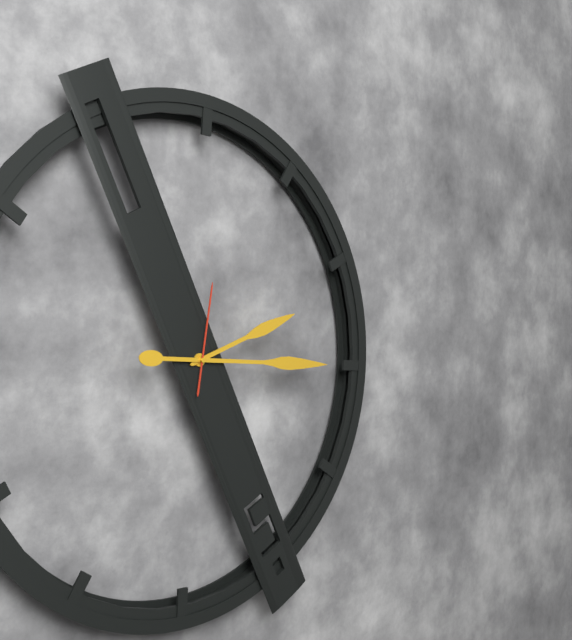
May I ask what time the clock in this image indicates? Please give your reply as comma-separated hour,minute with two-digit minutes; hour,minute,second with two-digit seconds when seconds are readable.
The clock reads 2,15,01
